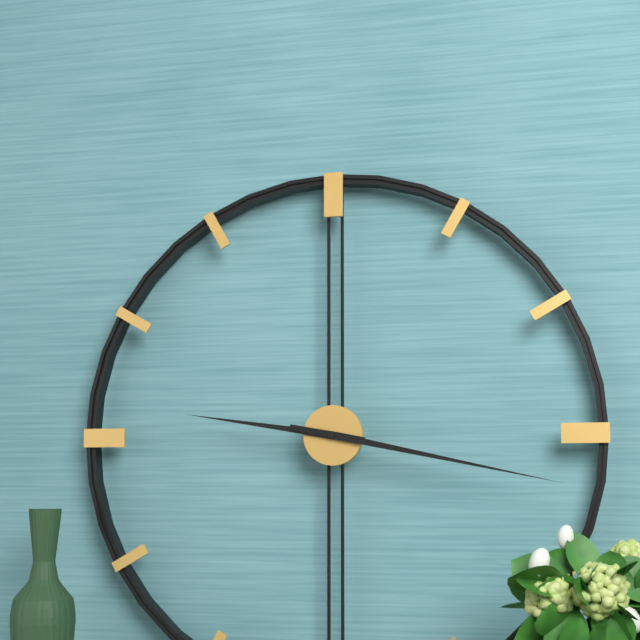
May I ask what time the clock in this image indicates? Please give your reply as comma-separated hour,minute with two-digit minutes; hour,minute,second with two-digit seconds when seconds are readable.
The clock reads 9,17
